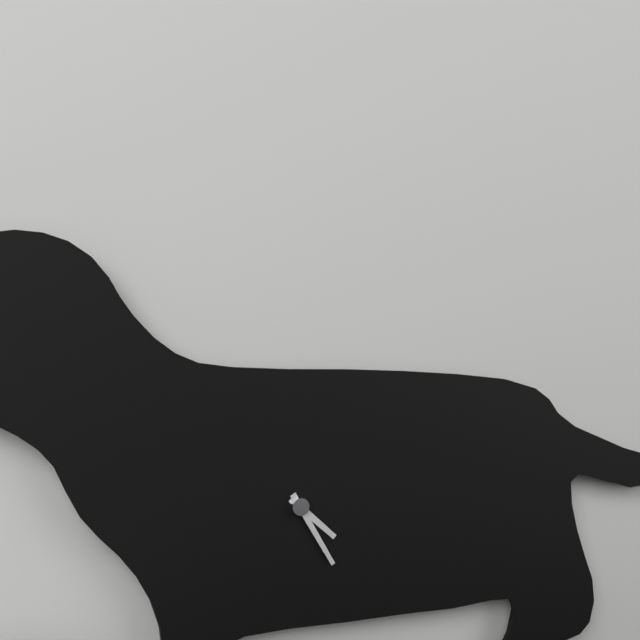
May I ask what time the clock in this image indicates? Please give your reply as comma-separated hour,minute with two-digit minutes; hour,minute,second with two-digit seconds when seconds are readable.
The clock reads 4,25
